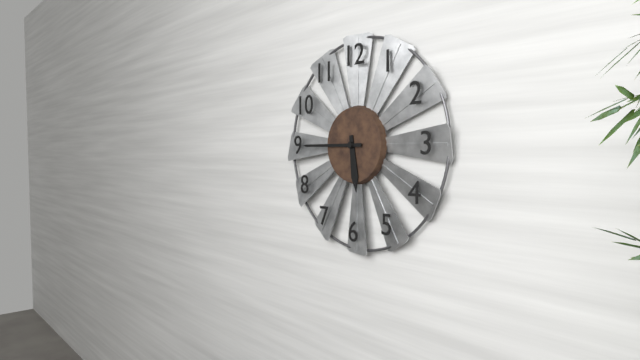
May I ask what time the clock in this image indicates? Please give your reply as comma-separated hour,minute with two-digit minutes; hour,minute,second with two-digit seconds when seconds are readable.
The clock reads 5,45
